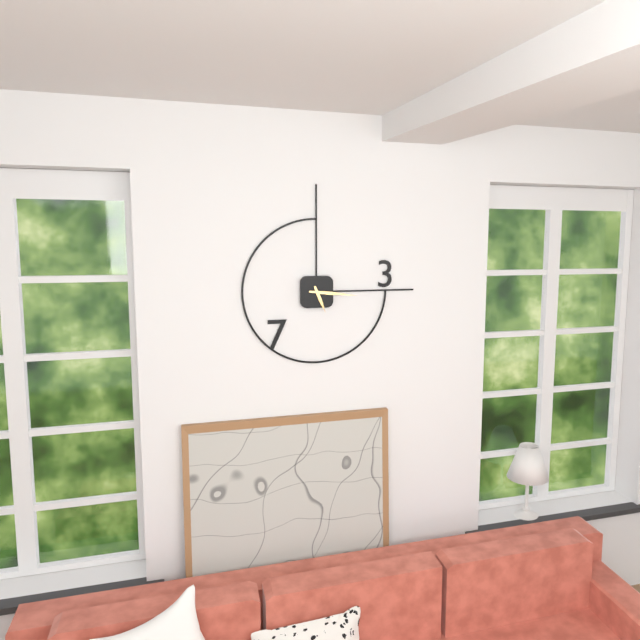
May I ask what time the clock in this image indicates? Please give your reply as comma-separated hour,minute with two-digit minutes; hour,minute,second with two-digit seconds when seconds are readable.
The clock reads 5,16
